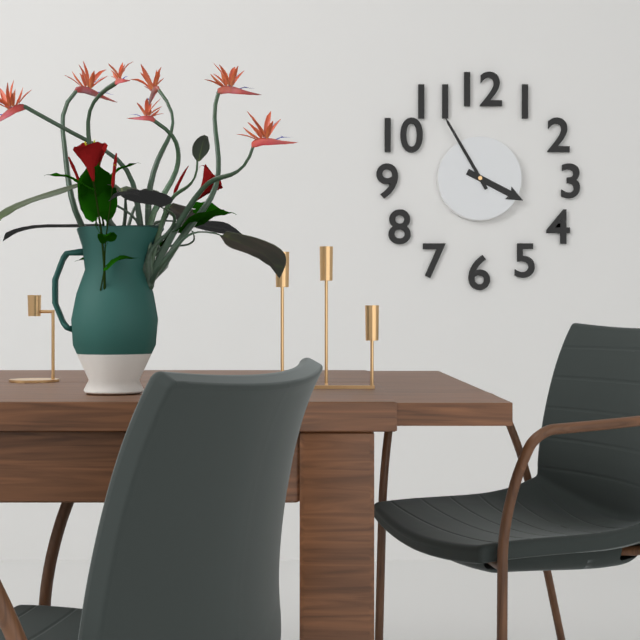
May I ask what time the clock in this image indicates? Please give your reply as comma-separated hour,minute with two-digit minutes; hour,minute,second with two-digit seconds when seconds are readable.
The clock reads 3,55
